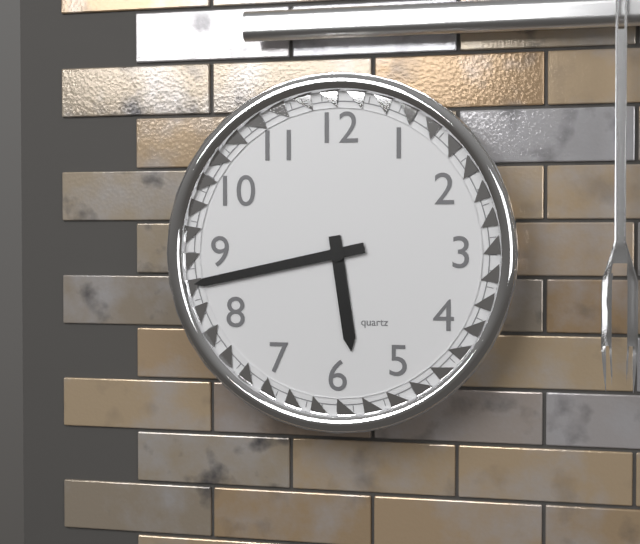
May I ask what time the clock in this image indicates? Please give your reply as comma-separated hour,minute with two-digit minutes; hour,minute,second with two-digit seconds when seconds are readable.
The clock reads 5,43
